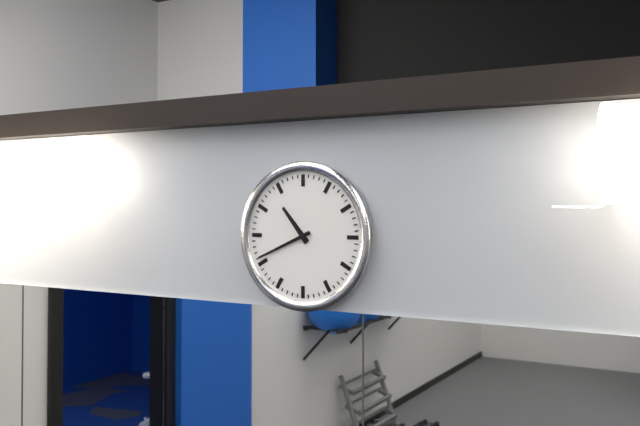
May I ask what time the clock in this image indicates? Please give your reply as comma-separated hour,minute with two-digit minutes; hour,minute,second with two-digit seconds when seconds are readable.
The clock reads 10,41
